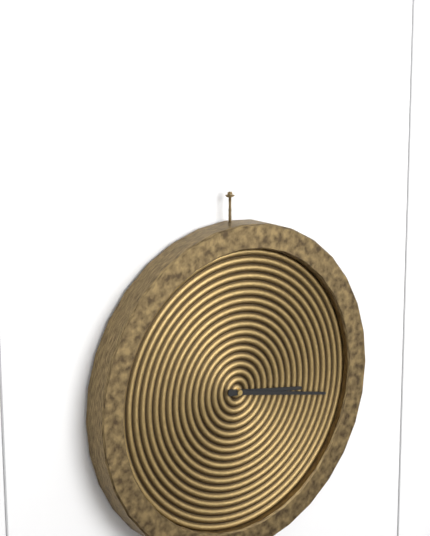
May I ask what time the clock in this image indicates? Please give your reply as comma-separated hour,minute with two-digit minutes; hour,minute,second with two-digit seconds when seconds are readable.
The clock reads 3,17
